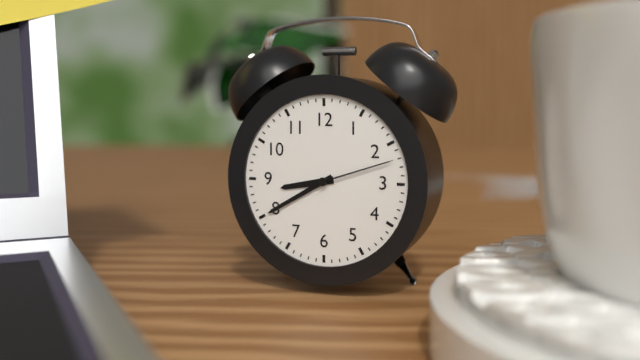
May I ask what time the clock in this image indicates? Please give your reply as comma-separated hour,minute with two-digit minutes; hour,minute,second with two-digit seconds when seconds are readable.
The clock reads 8,40,12
